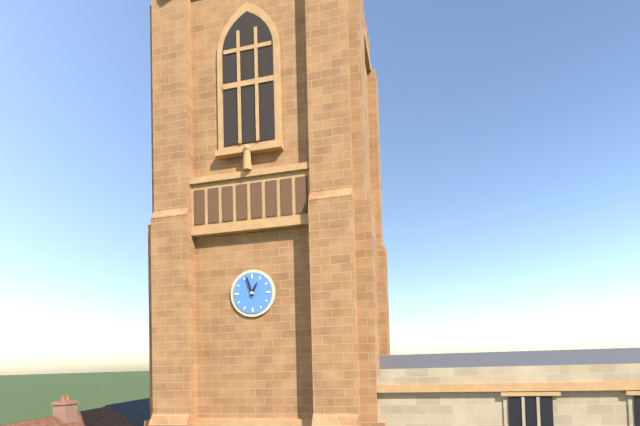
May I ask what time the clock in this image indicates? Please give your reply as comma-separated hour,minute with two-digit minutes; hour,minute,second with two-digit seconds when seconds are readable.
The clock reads 12,57
